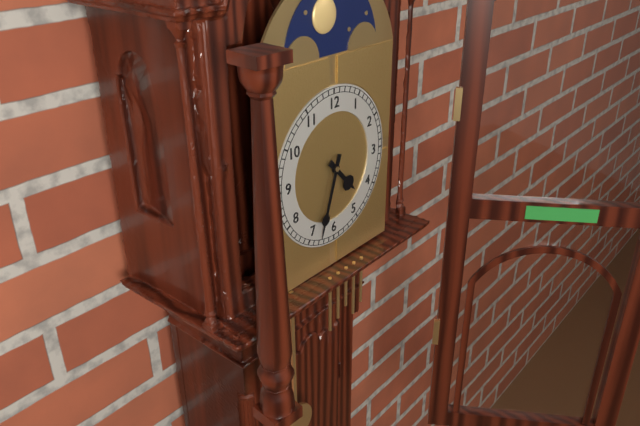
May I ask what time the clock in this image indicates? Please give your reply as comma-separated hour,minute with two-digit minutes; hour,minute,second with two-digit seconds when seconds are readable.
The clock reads 4,33
